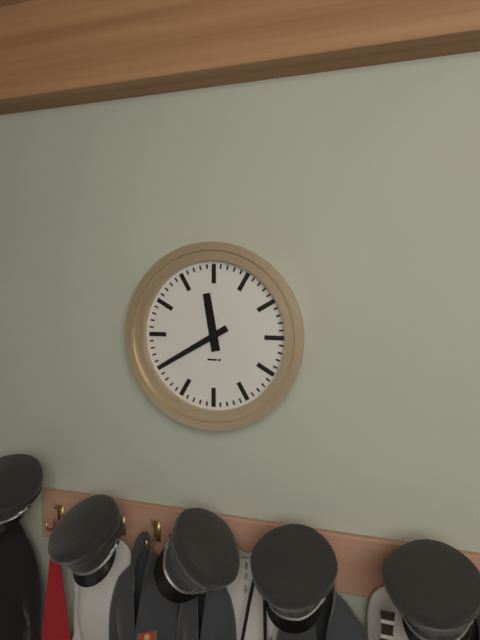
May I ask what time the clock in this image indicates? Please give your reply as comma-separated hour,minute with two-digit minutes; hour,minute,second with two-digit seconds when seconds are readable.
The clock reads 11,40
